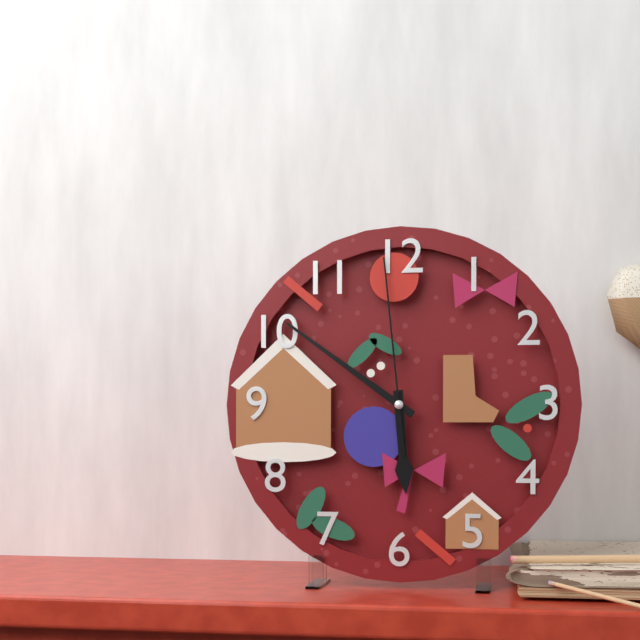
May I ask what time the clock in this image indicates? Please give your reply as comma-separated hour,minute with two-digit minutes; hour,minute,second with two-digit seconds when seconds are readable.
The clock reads 5,51,59
